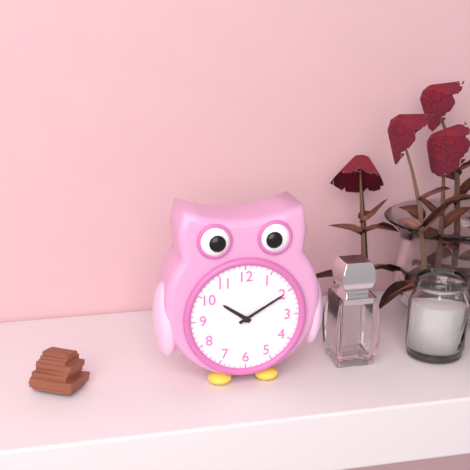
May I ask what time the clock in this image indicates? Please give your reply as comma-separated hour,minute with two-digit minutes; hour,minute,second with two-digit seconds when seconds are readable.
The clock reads 10,10
